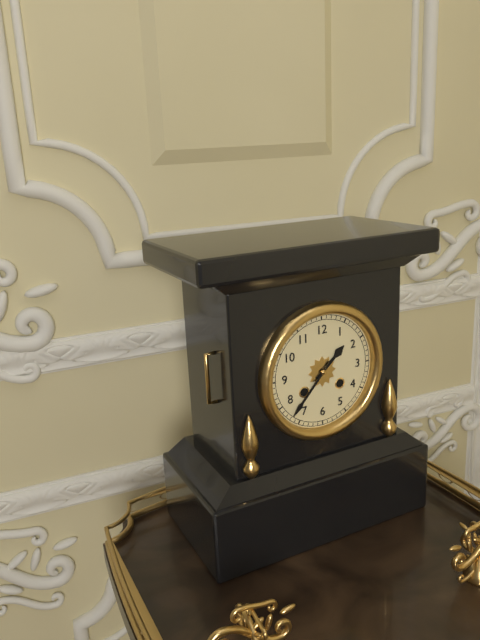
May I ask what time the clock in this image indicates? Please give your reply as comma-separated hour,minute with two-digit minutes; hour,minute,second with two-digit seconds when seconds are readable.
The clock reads 1,37
